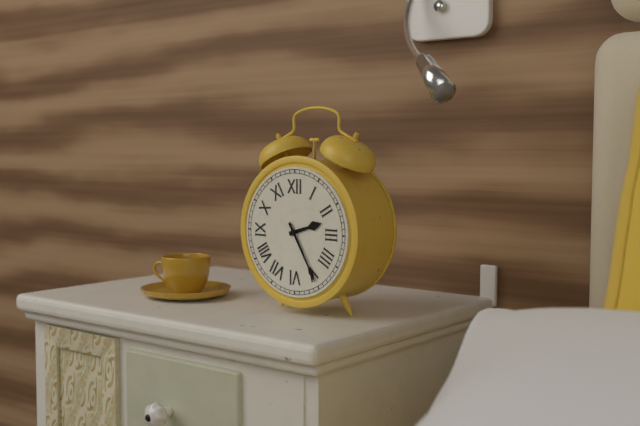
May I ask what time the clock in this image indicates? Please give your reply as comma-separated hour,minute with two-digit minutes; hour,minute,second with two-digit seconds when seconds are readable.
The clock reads 2,25
